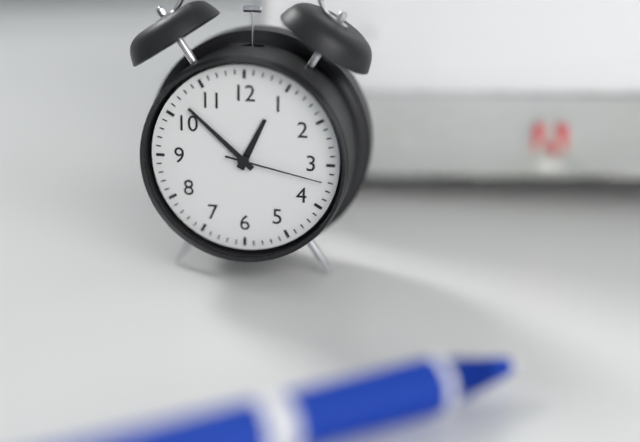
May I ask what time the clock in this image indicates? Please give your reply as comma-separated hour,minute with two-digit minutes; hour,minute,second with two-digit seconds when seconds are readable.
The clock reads 12,52,17
